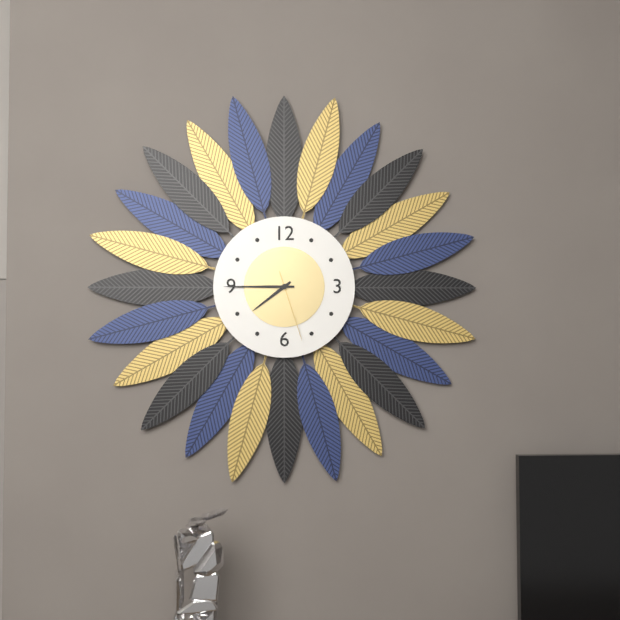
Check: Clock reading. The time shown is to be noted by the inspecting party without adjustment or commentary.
7:45:27
